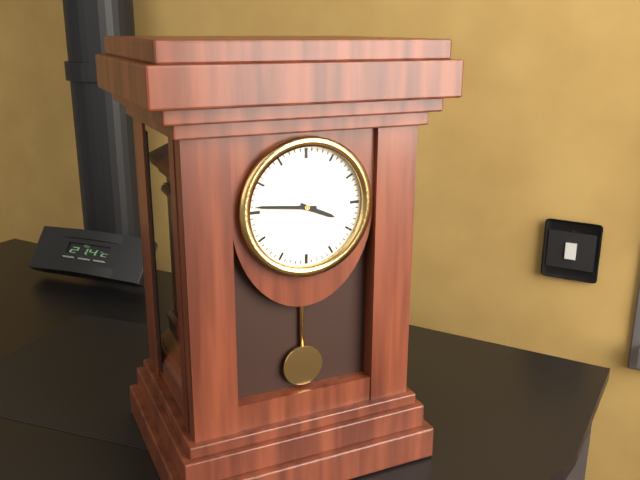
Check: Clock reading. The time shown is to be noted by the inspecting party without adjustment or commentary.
3:46
